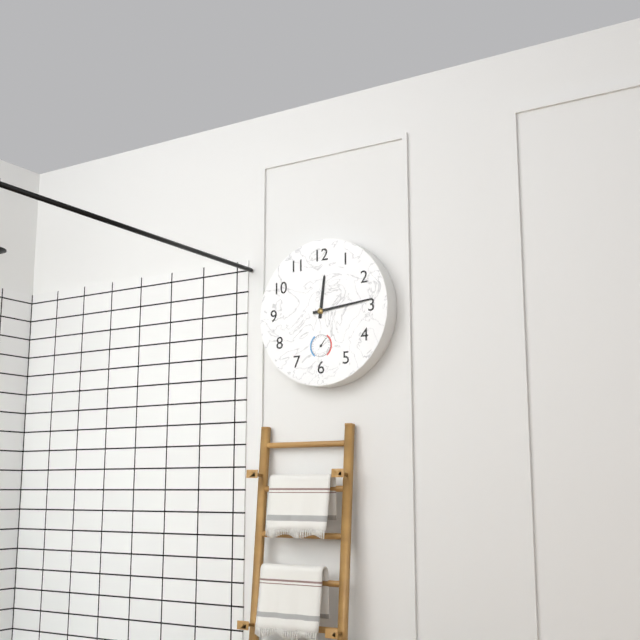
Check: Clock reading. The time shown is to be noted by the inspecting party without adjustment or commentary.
12:14
